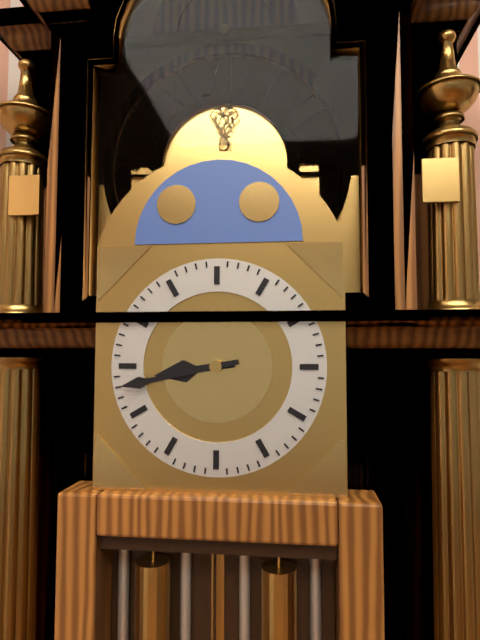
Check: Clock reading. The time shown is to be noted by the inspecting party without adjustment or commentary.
8:43
